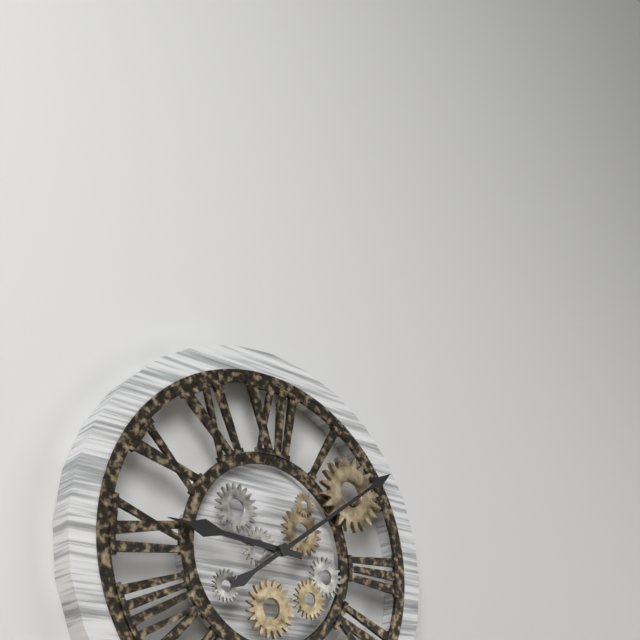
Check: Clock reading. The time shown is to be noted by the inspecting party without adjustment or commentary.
9:09
